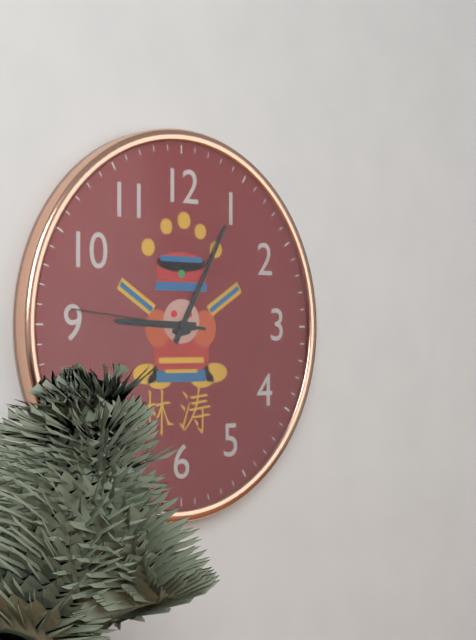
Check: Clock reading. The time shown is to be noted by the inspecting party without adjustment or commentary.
9:05:46
